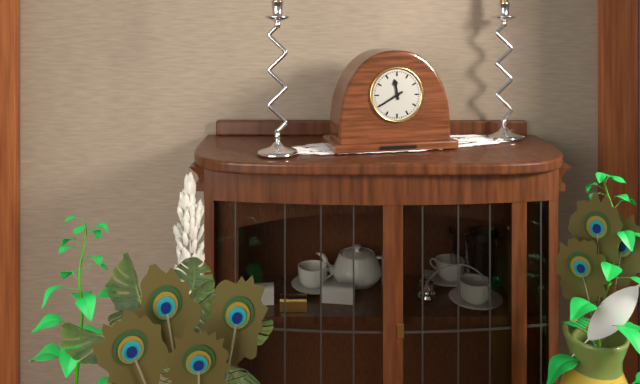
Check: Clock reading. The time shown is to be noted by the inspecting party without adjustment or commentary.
11:40
